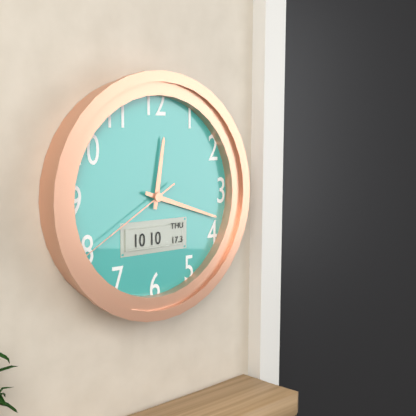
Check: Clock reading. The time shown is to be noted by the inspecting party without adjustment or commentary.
12:18:40
